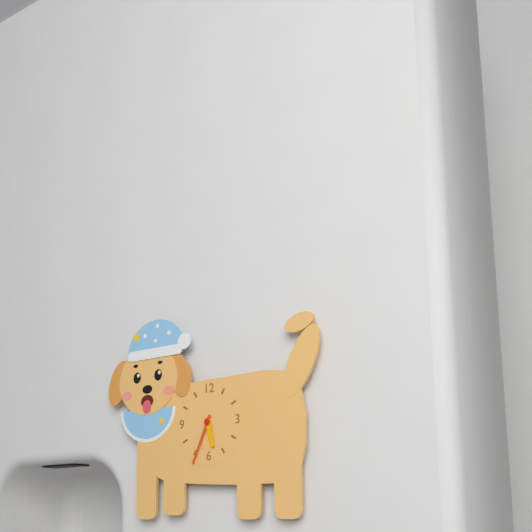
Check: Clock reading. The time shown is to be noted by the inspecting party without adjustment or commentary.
5:34
